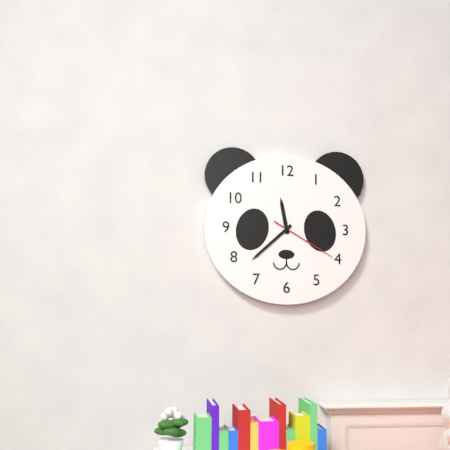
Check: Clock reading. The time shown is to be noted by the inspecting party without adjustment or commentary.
11:38:20
